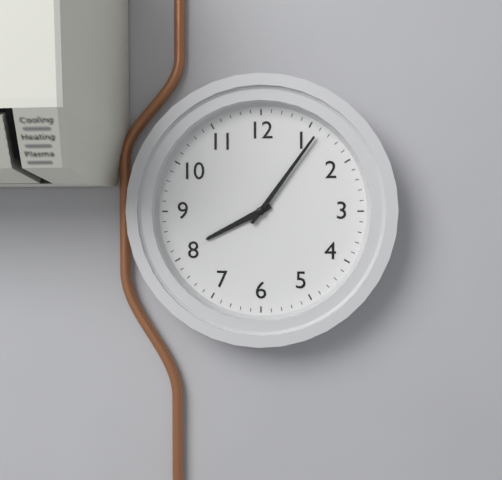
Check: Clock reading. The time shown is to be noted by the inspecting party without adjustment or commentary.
8:06
